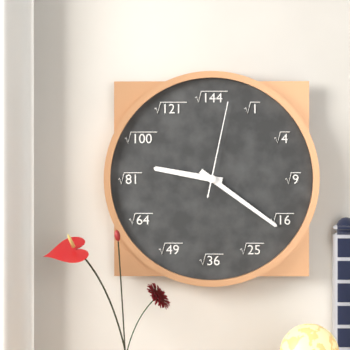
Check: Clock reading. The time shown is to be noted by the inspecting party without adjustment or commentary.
9:21:02
